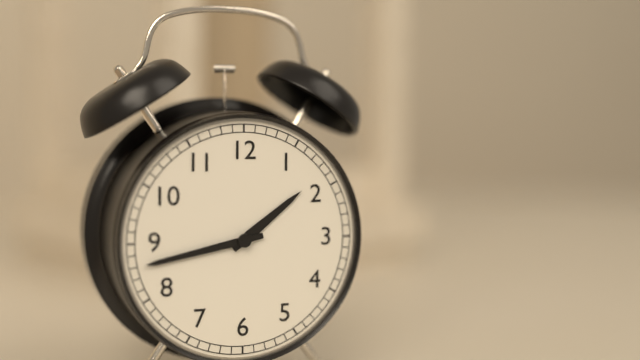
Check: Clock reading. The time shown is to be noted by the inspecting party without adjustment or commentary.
1:43
